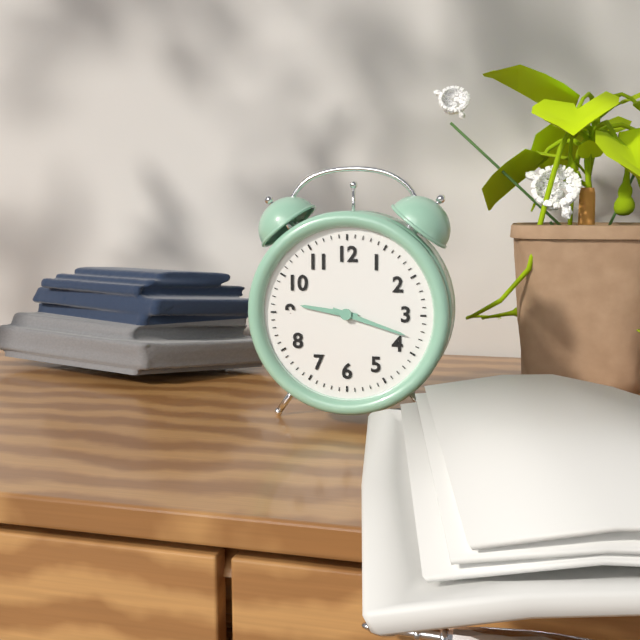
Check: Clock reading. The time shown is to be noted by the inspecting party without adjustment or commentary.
9:18
